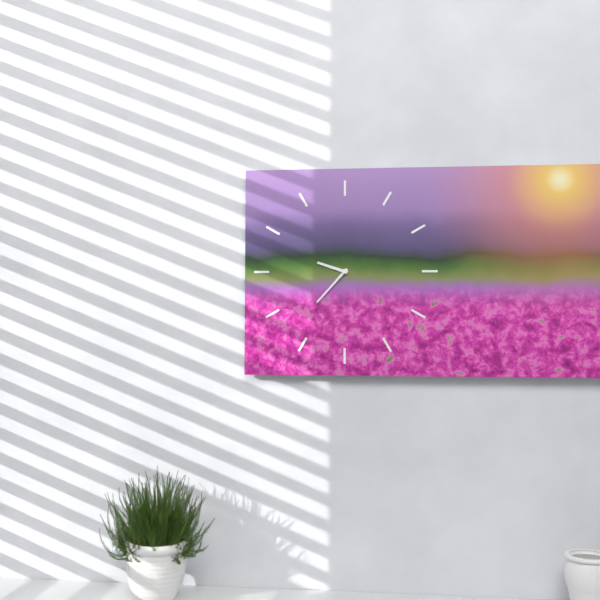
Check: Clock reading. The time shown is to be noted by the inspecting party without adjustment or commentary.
9:37
